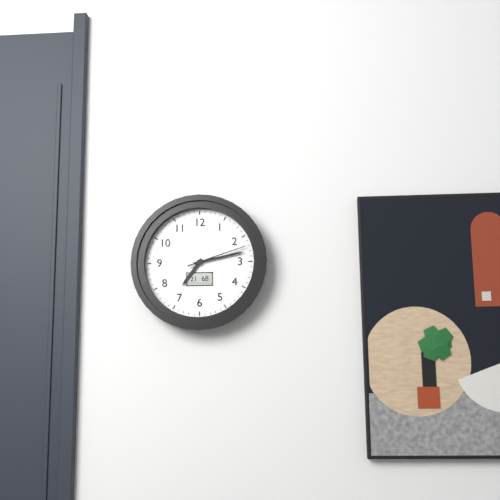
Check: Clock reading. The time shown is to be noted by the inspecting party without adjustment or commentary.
7:13:12
